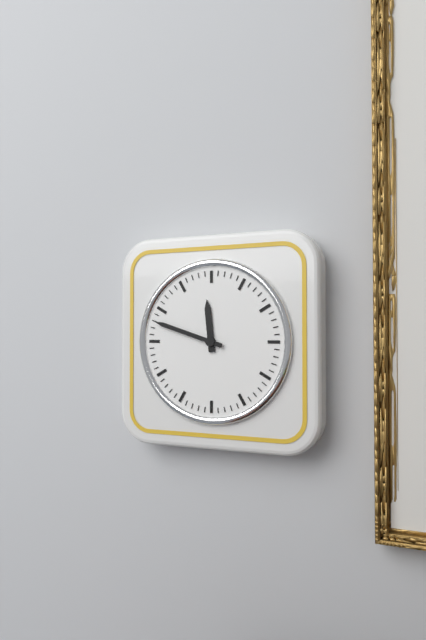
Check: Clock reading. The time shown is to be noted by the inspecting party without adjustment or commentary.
11:48
